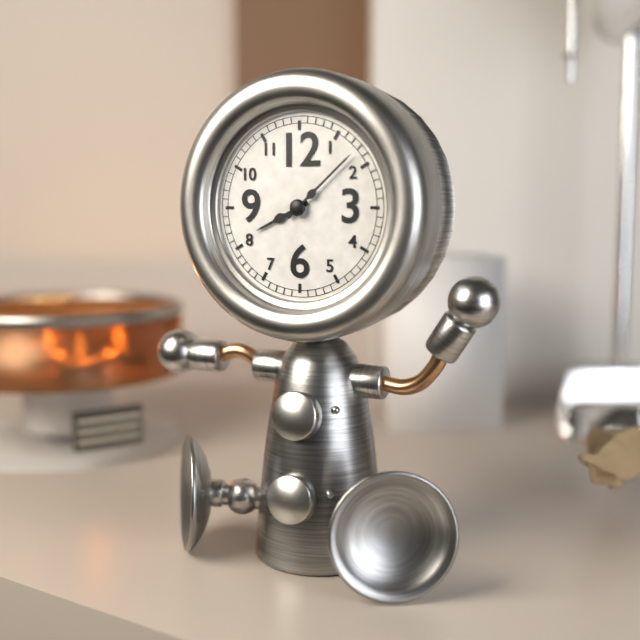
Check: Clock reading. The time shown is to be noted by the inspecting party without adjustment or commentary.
8:08
